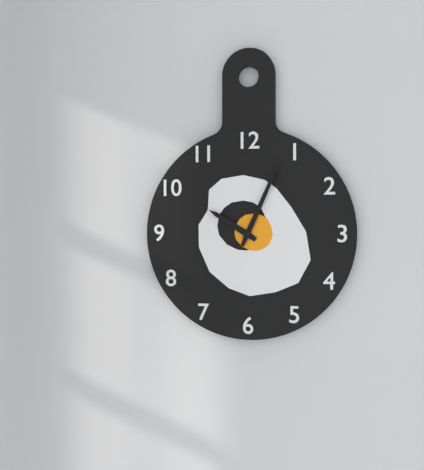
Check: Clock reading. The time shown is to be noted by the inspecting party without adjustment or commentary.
10:04
